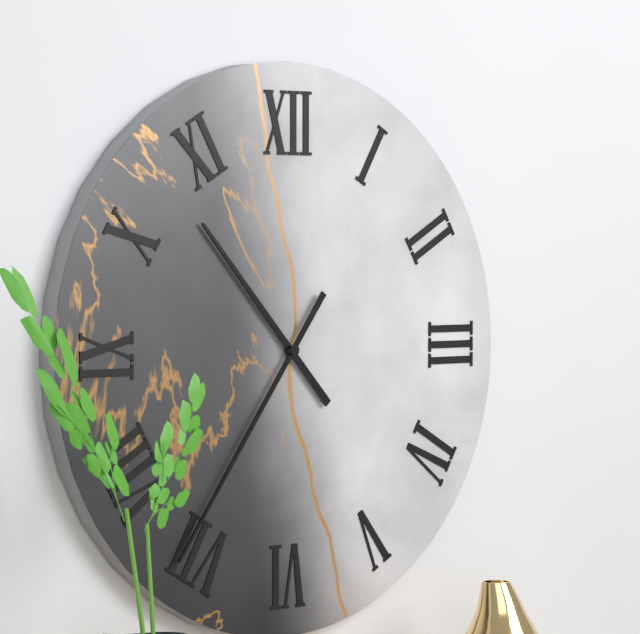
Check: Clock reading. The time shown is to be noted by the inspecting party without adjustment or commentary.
10:36
